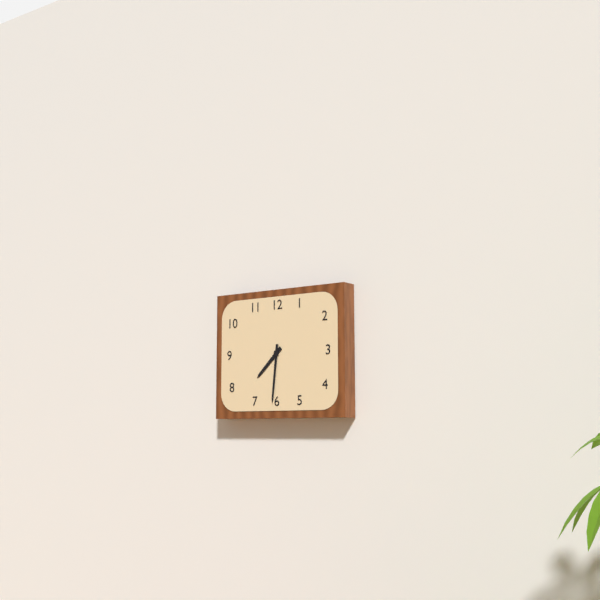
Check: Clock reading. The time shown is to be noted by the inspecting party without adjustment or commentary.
7:31
